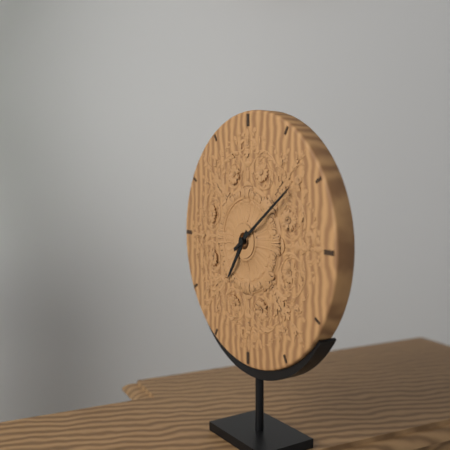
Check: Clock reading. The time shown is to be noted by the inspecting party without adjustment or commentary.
7:09
